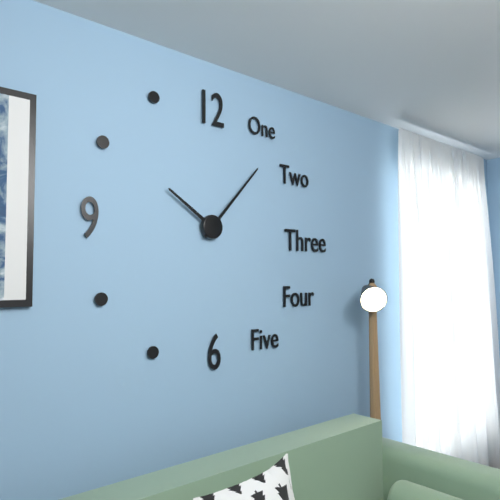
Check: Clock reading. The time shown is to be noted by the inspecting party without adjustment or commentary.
10:07
